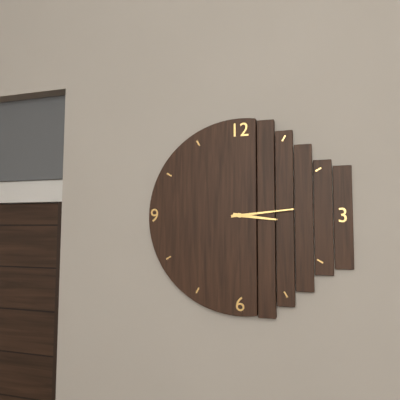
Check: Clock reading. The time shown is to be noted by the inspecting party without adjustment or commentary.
3:14
